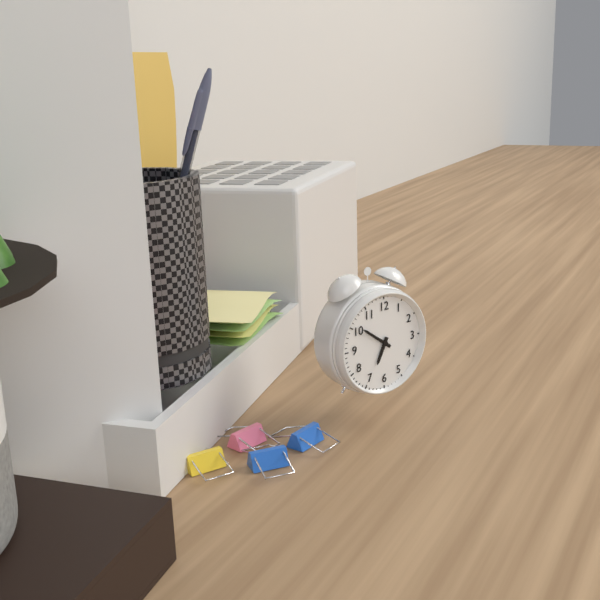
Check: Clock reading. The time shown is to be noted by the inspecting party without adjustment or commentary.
6:51
